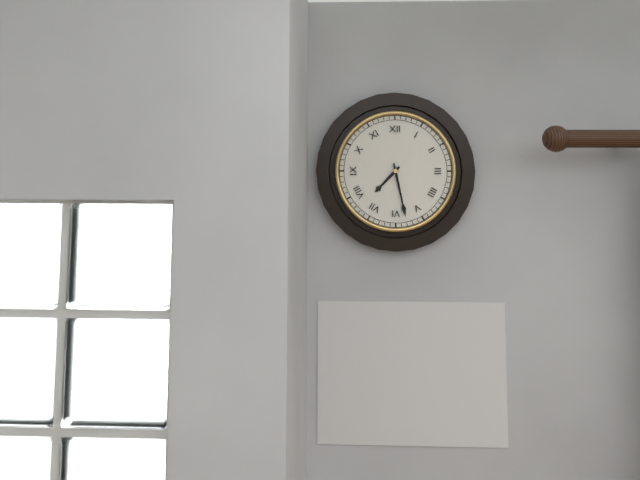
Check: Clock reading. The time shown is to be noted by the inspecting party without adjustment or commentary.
7:28
